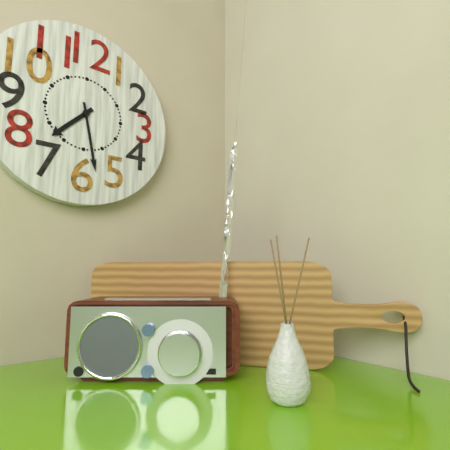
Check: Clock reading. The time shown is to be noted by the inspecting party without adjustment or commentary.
7:28
